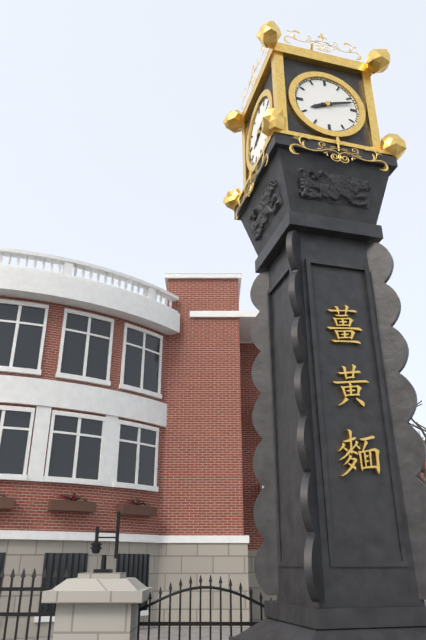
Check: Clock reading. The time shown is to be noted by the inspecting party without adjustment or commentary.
8:12
